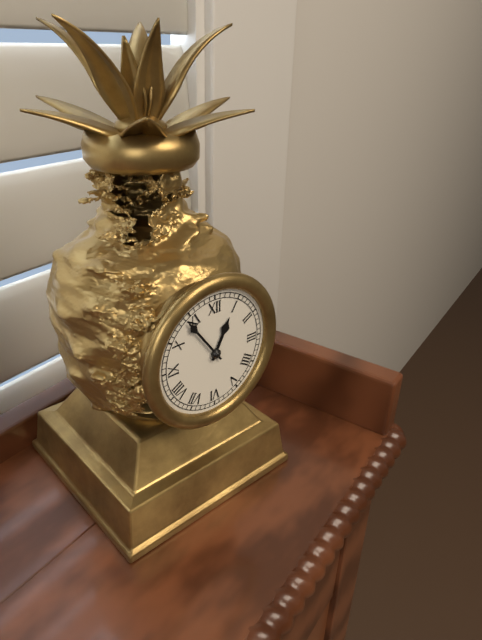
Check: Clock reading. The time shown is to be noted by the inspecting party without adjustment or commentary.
12:54
